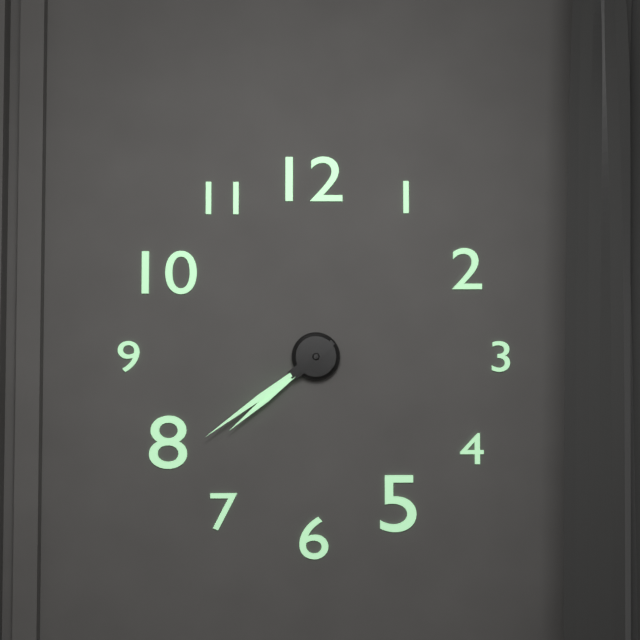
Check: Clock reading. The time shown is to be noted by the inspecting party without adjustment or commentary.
7:39
